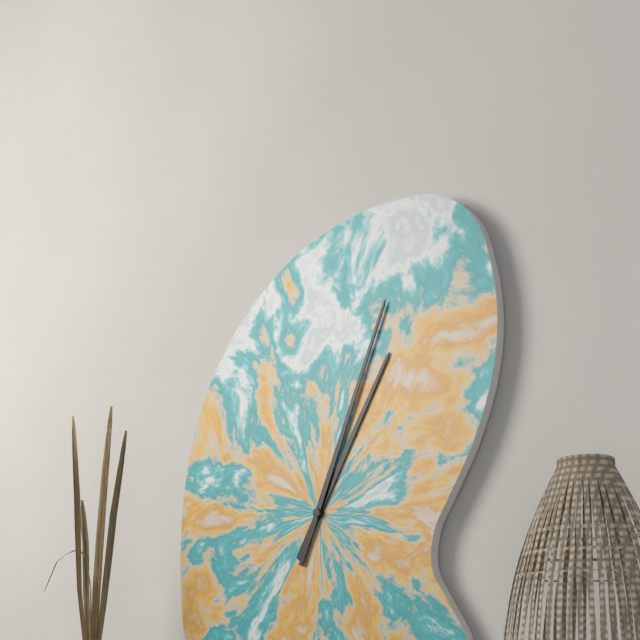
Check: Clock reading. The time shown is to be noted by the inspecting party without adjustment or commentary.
1:04
